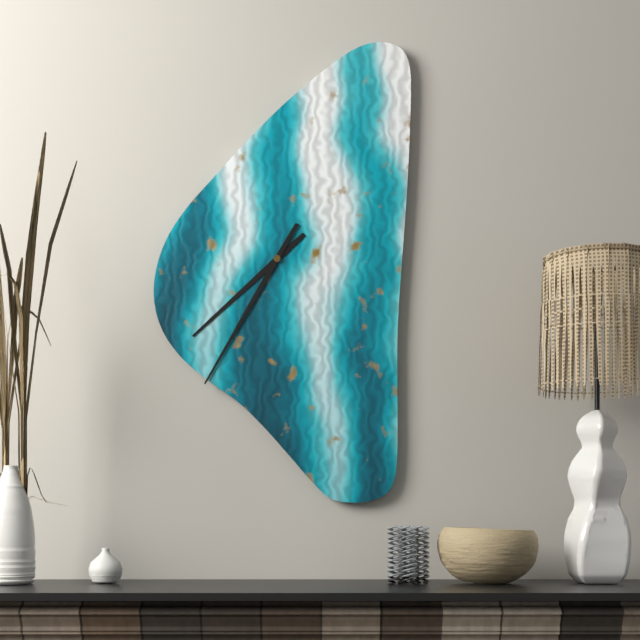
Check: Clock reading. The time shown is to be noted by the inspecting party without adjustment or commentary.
7:35
